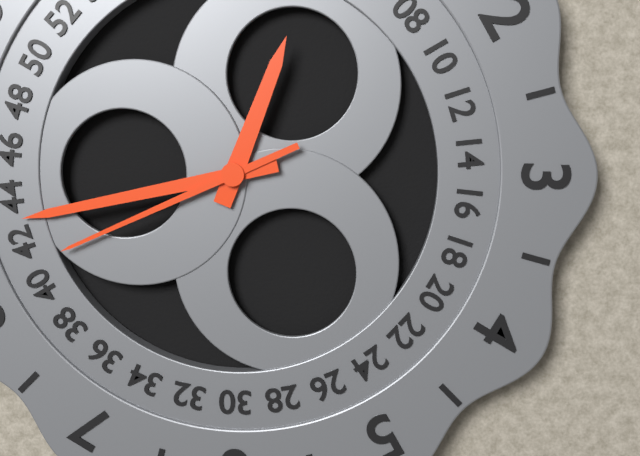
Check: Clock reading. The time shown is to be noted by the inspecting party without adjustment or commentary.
12:43:41
